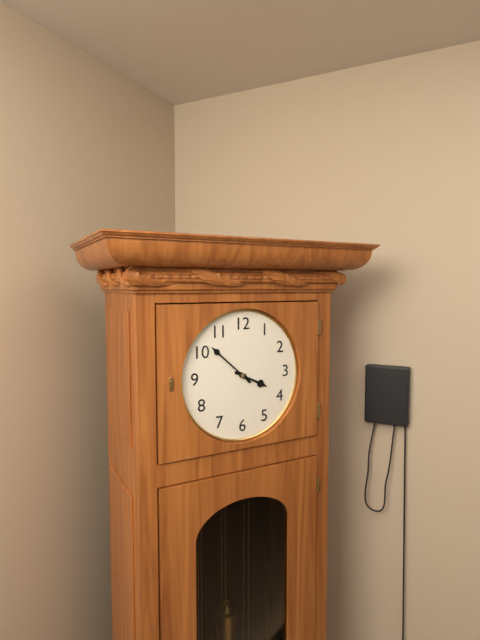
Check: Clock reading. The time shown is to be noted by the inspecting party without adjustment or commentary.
3:52
